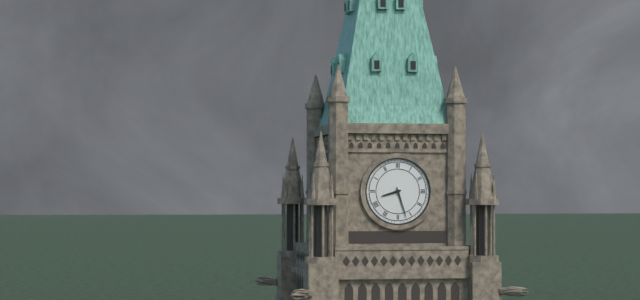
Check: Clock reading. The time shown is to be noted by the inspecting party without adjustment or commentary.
8:27
